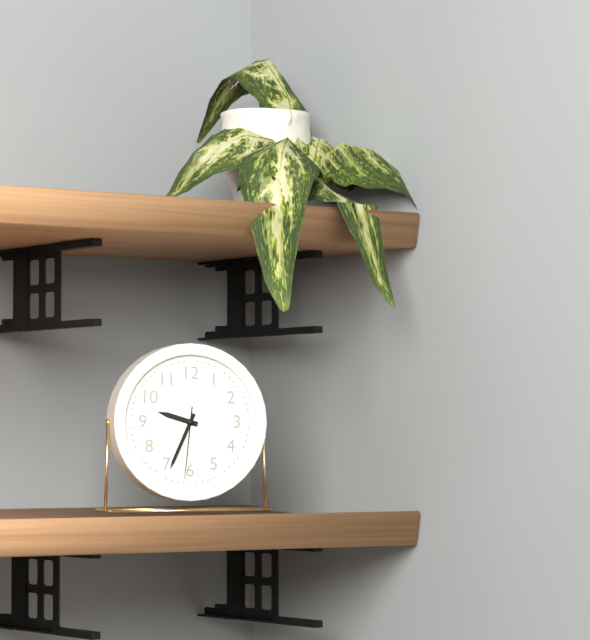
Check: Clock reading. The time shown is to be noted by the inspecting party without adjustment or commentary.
9:34:31
